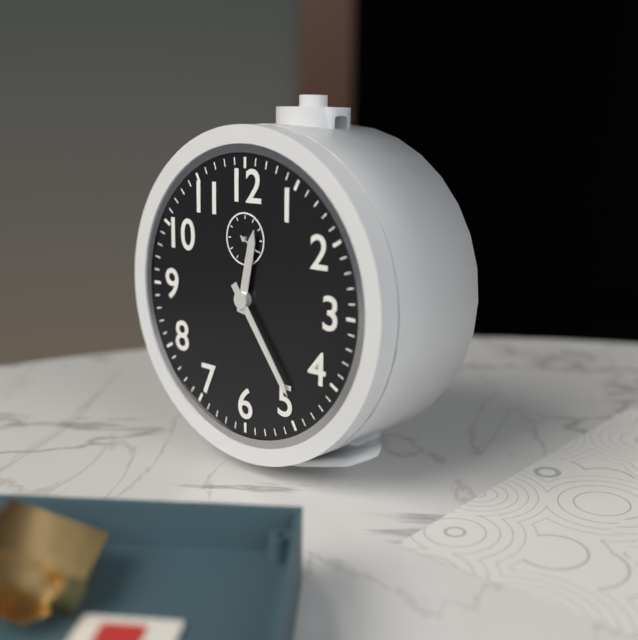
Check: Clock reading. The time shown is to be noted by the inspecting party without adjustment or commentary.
12:24
